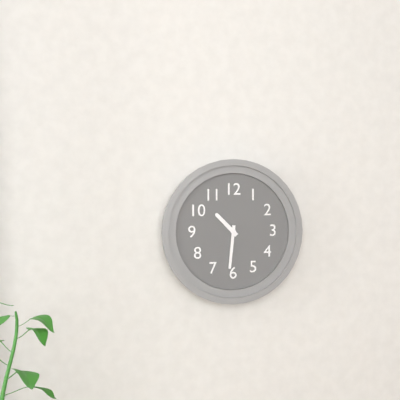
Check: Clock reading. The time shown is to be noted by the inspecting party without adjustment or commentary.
10:31
